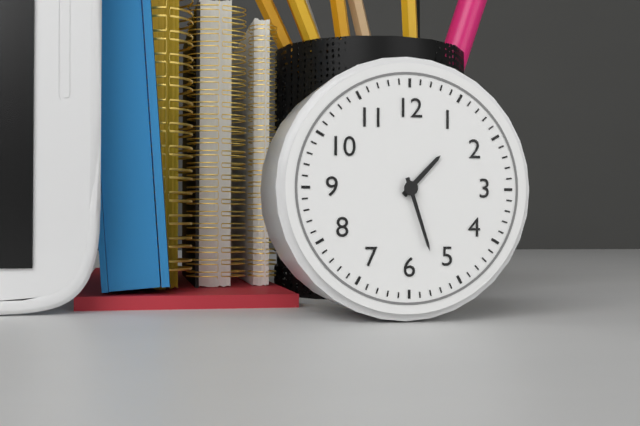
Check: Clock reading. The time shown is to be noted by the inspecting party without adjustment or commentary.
1:27
